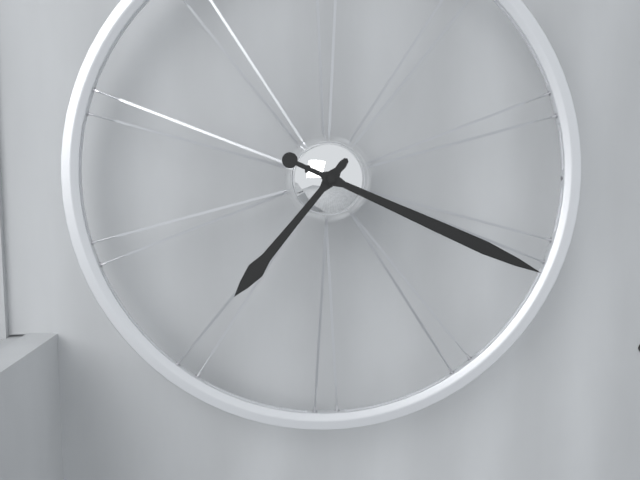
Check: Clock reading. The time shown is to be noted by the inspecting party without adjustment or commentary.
7:19
